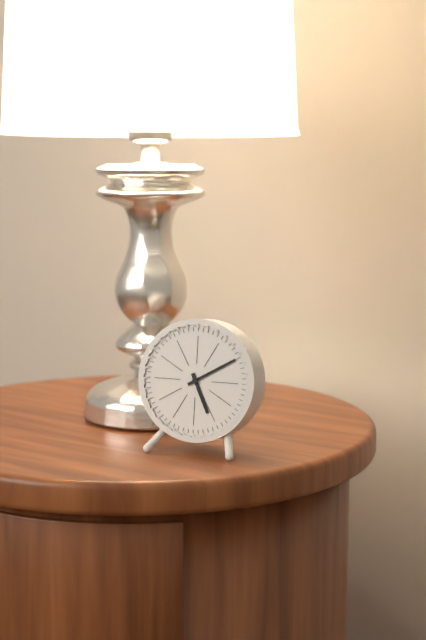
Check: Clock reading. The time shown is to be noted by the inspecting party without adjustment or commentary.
5:10
